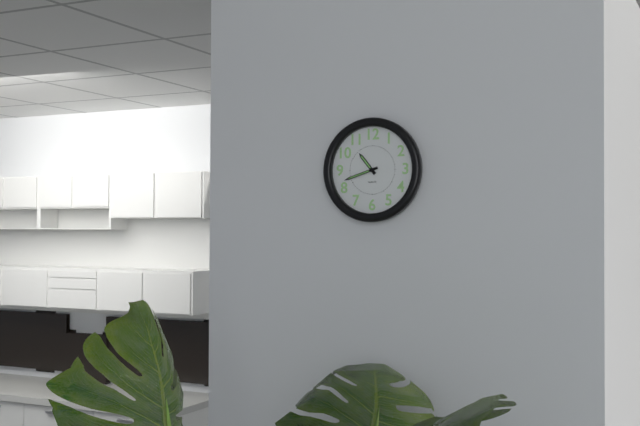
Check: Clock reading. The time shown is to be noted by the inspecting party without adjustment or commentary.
10:42
